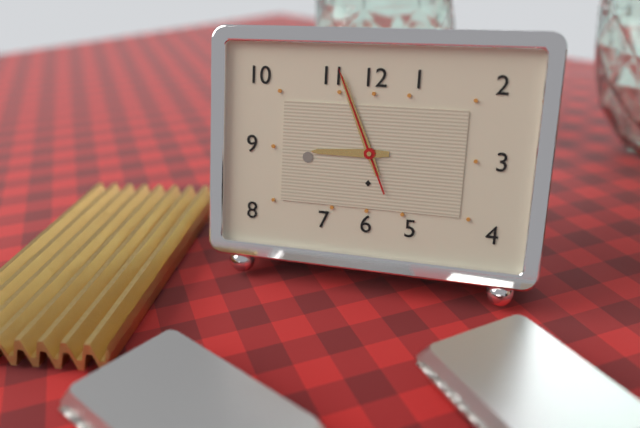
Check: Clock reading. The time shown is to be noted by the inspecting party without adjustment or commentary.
8:56:56
